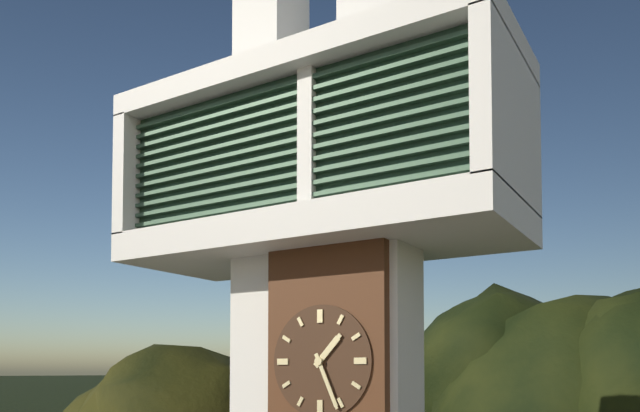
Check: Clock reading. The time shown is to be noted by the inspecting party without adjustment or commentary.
1:26
